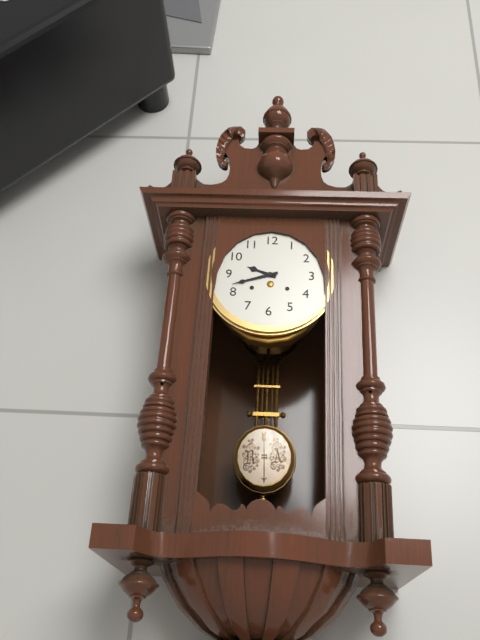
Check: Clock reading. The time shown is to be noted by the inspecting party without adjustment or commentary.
9:42
